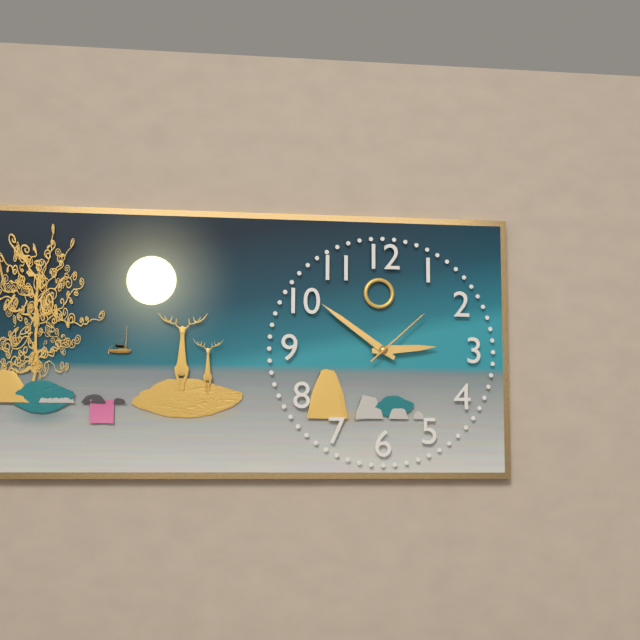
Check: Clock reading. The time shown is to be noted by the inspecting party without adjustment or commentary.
2:51:08
